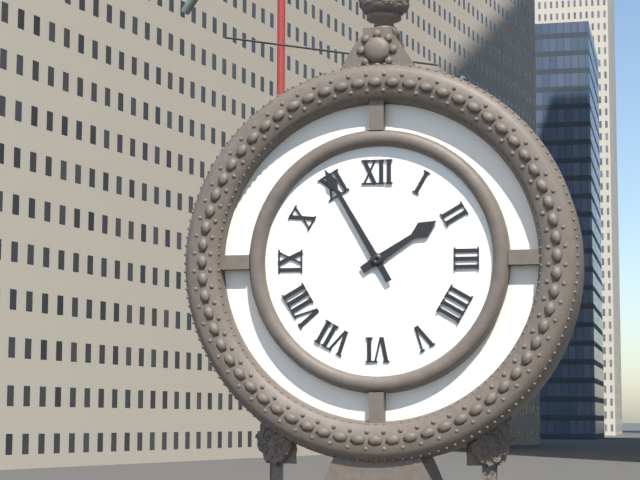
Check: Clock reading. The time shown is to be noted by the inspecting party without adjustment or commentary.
1:55
